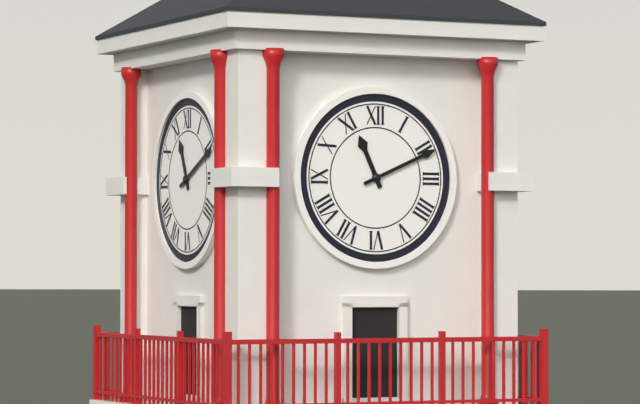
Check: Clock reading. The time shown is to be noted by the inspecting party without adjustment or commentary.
11:11
